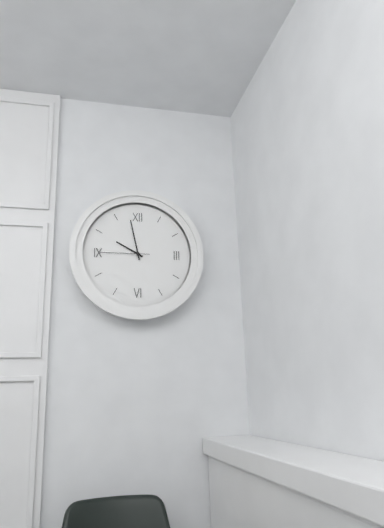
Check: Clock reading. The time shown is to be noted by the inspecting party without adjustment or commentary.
9:58:45
